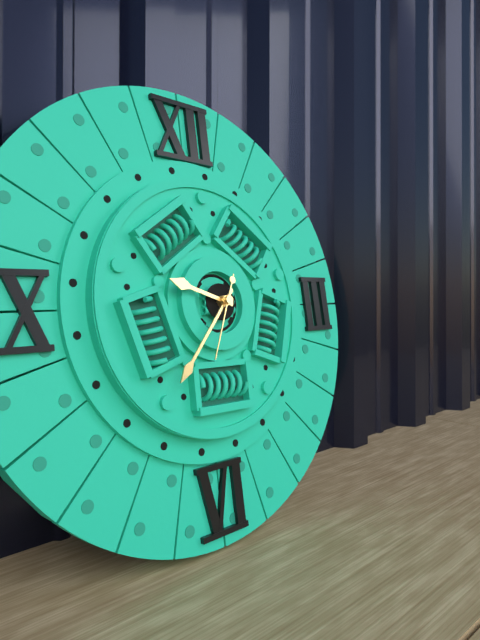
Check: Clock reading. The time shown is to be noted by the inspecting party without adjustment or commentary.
9:37:34
